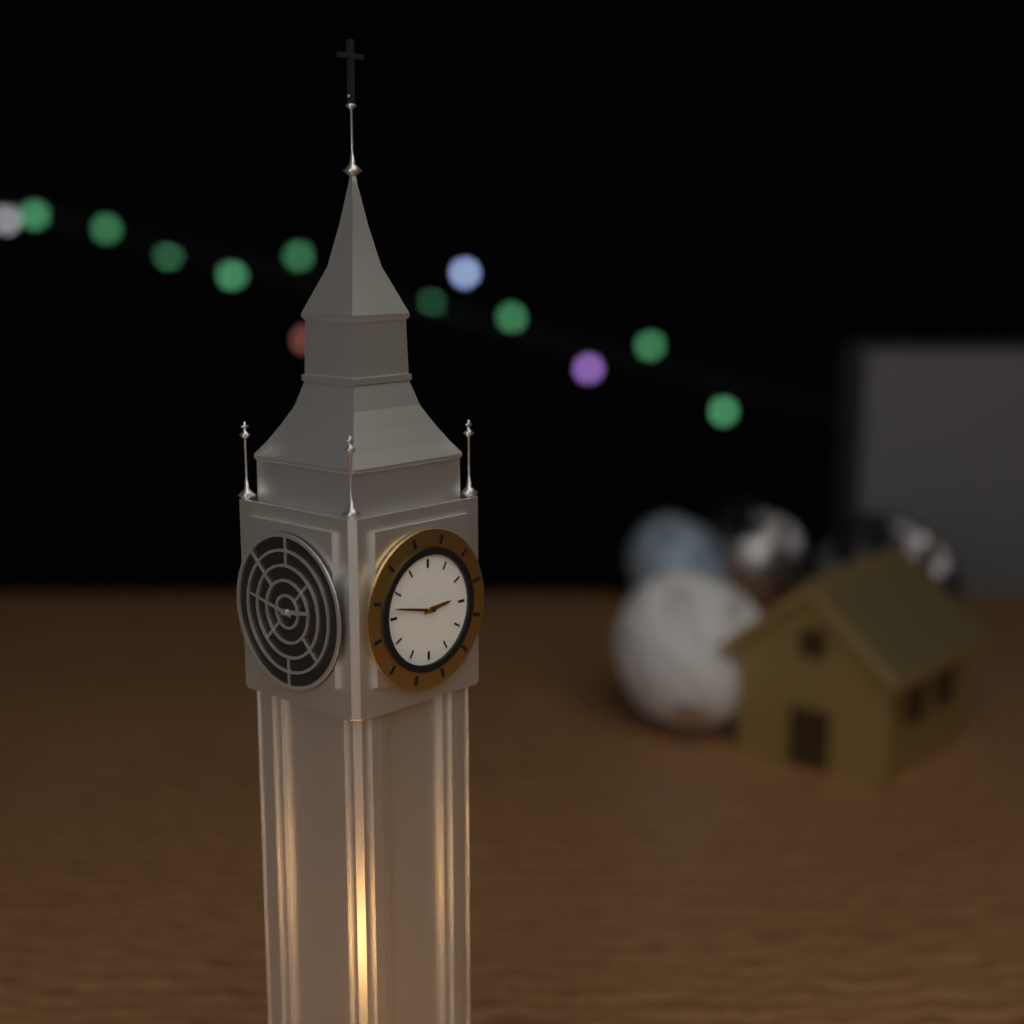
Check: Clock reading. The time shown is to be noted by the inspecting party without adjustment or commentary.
2:47
